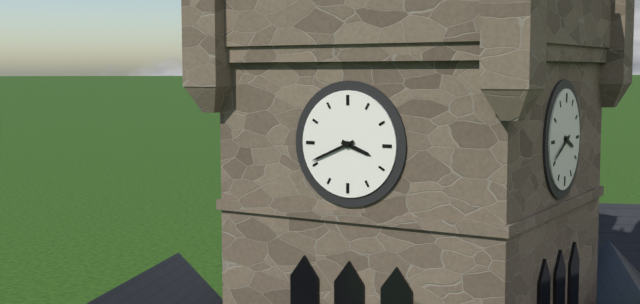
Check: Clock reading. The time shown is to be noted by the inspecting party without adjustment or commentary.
3:41
